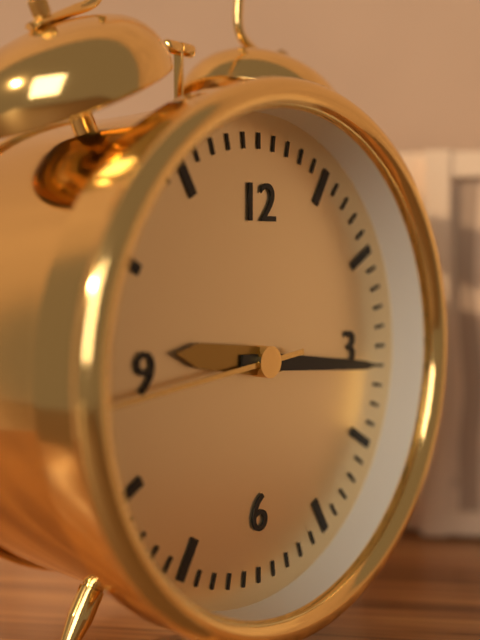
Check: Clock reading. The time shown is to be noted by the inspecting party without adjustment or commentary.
9:16:44
